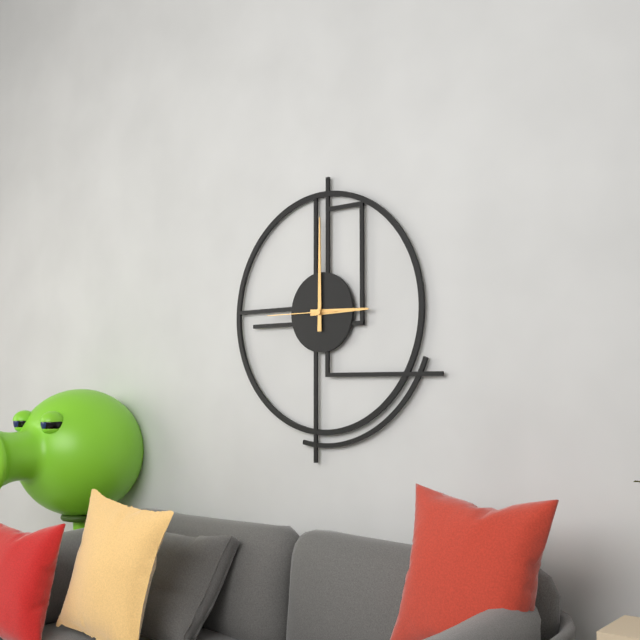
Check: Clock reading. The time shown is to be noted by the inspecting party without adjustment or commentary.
3:00:45
